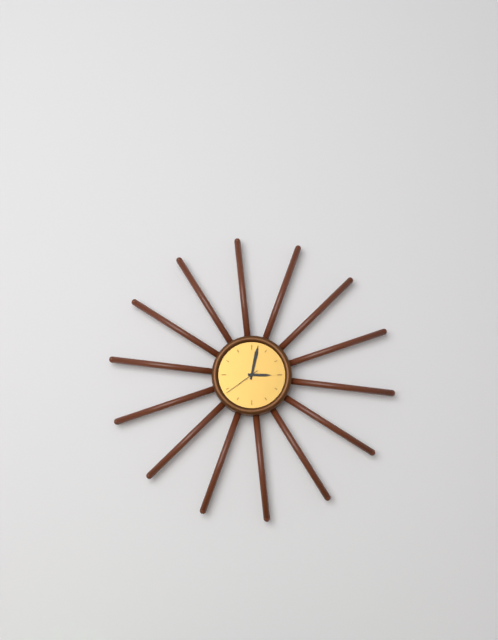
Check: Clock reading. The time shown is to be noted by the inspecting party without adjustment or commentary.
3:02
